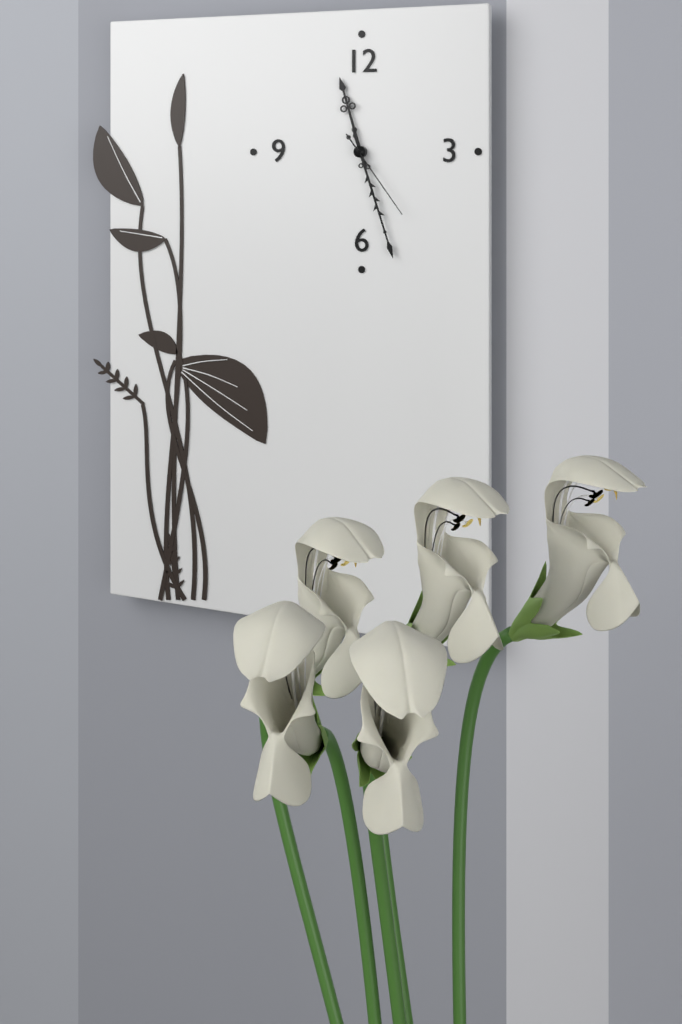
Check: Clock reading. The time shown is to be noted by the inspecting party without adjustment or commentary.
11:27:24
